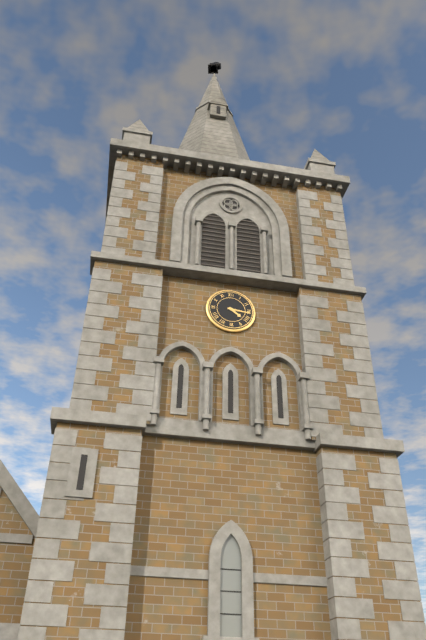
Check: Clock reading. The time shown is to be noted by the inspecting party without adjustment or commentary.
4:16
